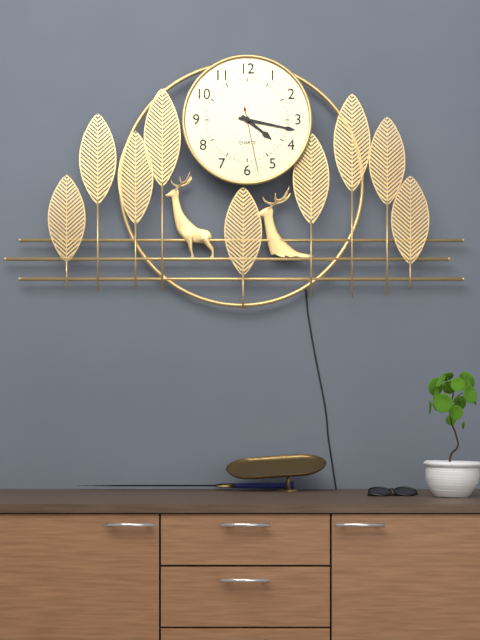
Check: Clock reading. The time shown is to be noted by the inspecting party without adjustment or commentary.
4:17:28
